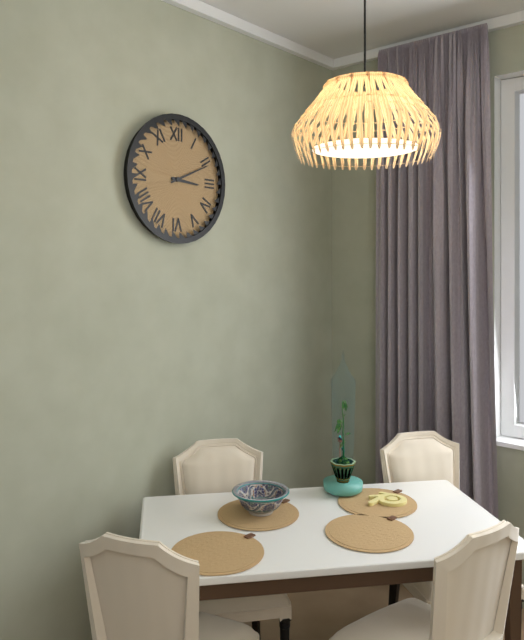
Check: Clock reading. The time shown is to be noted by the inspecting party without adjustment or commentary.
3:11
